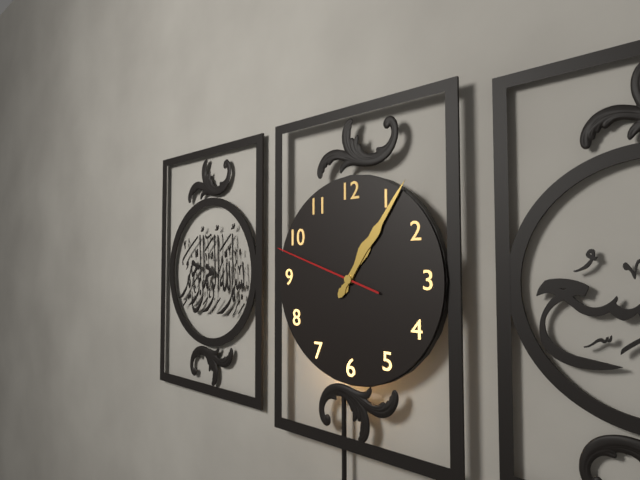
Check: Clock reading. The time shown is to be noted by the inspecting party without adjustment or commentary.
1:06:48
